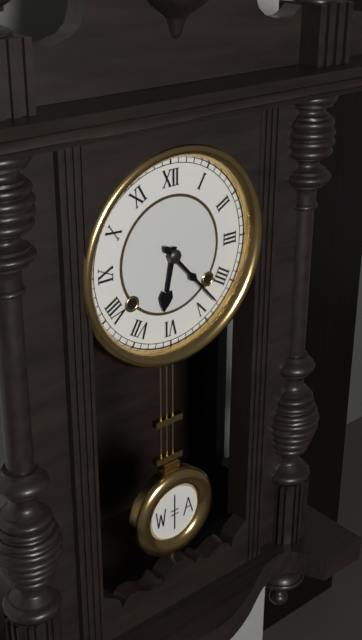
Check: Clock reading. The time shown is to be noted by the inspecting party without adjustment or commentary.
6:23
